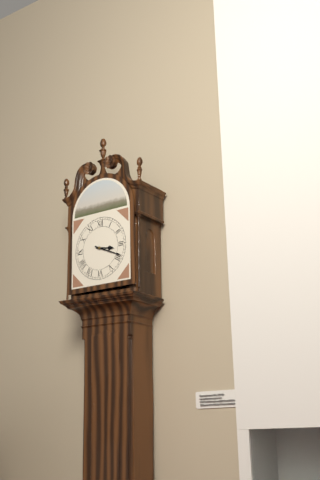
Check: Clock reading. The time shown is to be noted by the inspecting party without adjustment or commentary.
3:19
